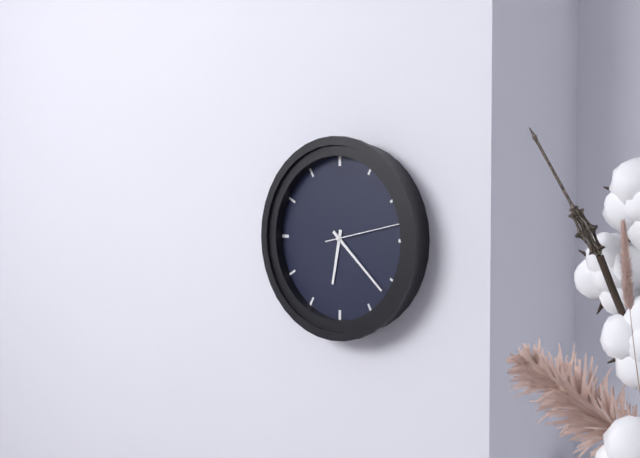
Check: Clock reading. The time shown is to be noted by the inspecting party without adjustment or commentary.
6:22:13
